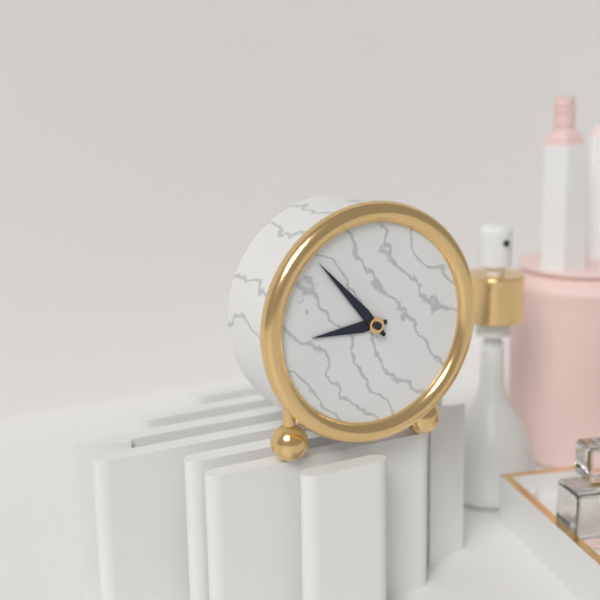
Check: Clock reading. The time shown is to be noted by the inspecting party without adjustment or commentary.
8:53
